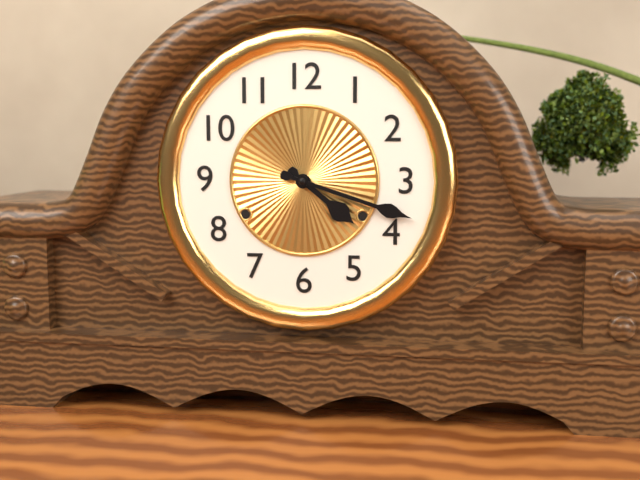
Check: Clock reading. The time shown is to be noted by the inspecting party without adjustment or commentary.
4:18
